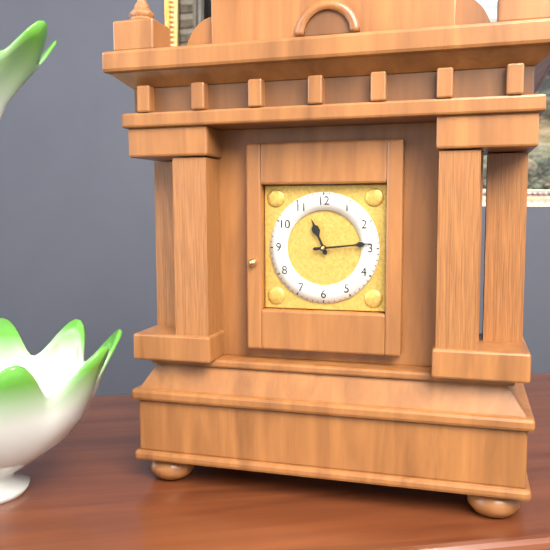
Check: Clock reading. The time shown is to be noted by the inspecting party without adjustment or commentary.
11:14
